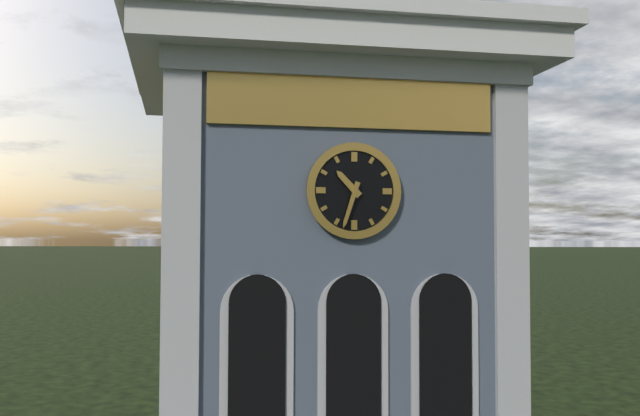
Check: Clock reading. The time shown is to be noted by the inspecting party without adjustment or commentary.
10:33
